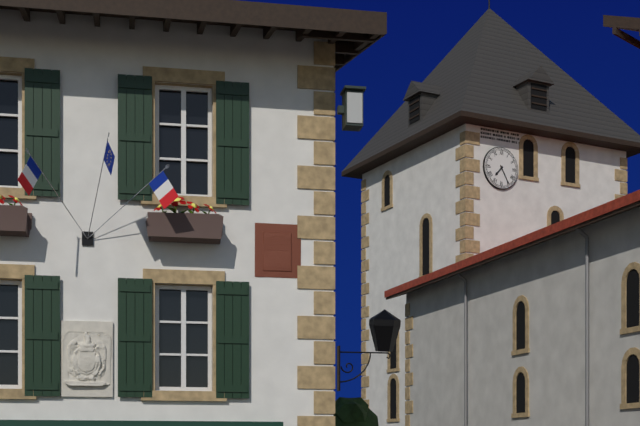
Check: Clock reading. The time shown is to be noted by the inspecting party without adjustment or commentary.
7:25
